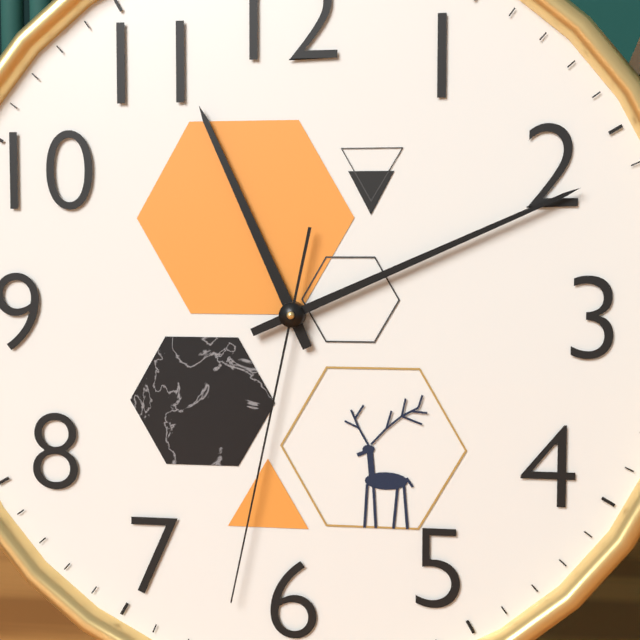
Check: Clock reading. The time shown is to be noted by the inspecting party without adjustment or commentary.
11:11:32
